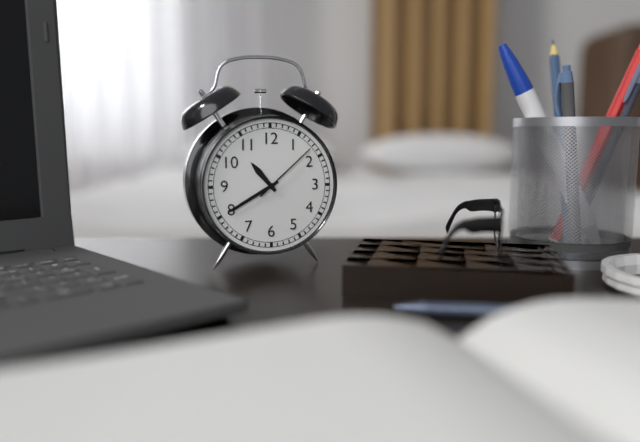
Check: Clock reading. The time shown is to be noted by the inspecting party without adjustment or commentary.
10:40:08
